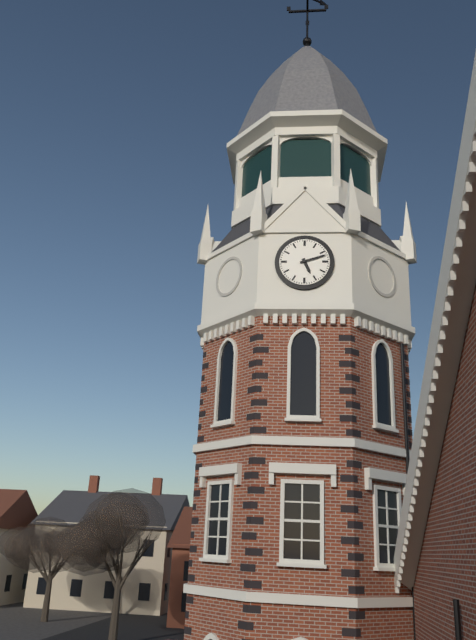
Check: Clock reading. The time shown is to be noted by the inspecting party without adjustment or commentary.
5:12
